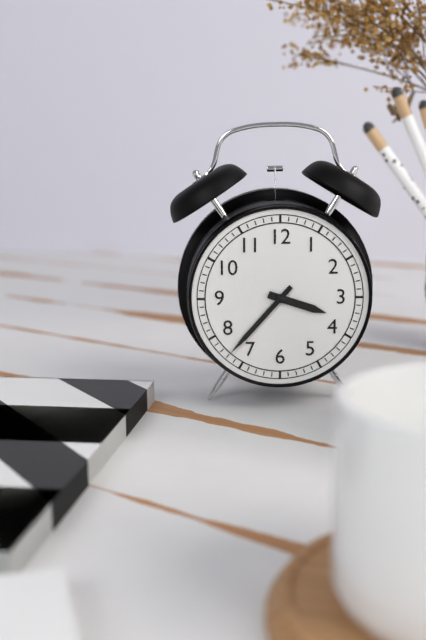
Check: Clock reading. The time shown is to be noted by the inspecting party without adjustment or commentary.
3:37
